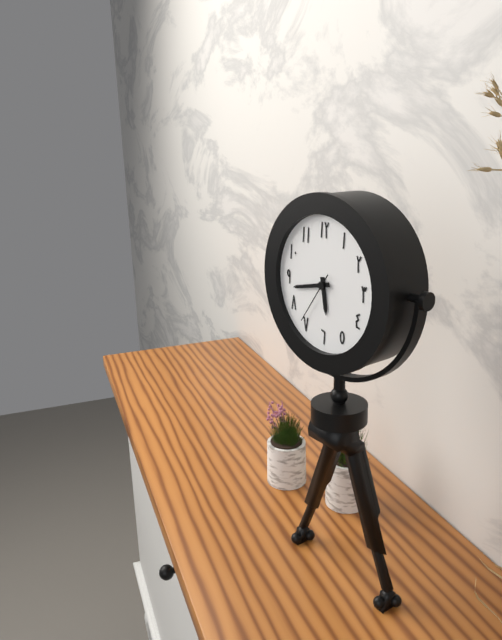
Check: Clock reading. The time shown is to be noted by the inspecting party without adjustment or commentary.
5:43:36
